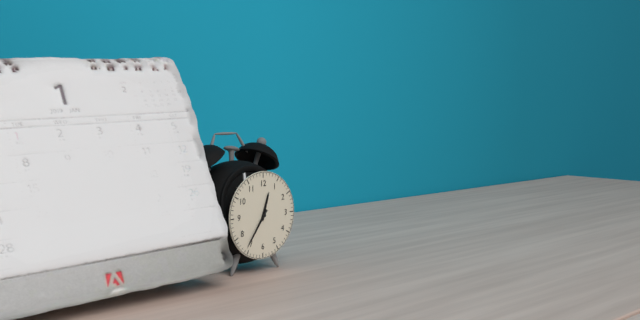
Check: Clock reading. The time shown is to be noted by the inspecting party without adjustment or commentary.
12:36
